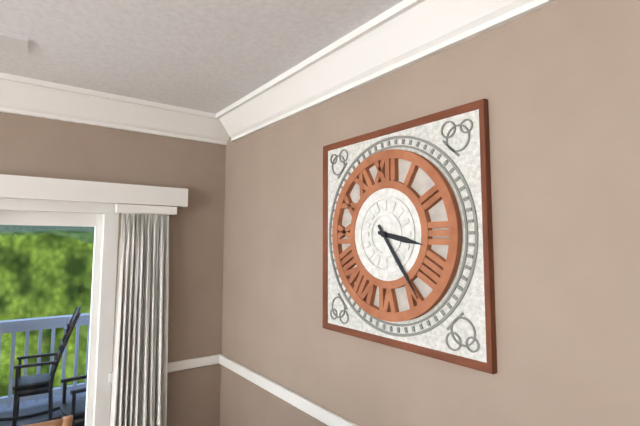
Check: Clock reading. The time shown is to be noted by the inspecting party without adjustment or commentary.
3:24
